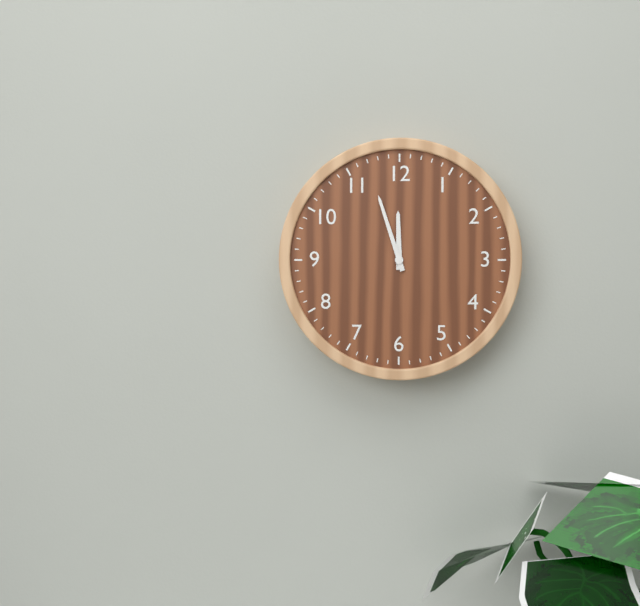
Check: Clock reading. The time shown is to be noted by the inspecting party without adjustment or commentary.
11:57
